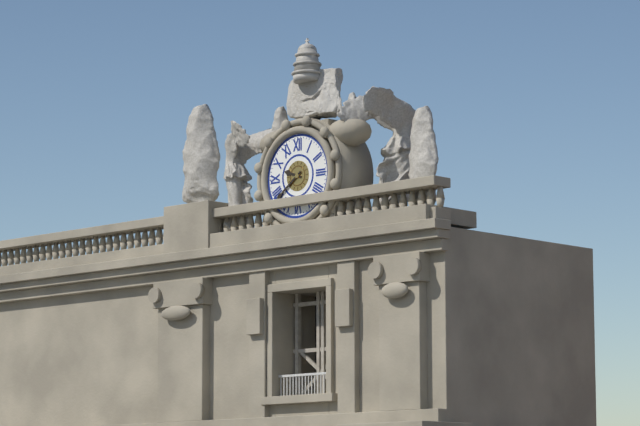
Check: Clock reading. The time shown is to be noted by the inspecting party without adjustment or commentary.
9:39
